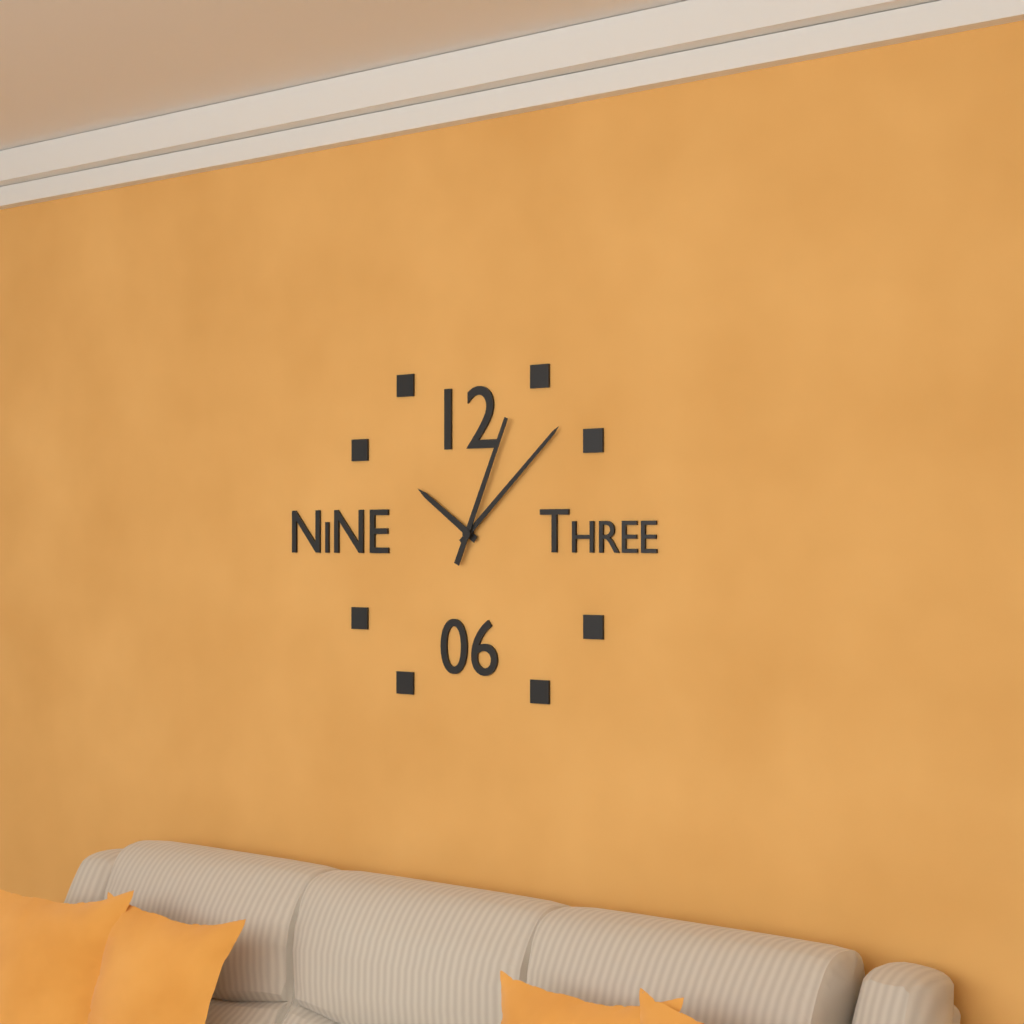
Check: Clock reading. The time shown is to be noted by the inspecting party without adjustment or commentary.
10:08:04
